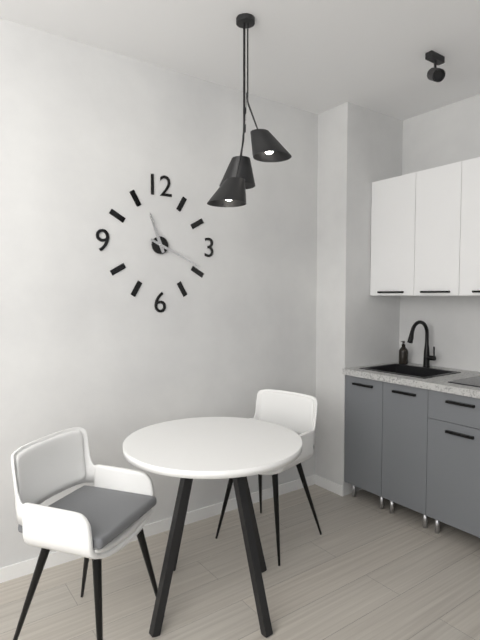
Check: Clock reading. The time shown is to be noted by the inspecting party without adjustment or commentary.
11:19
